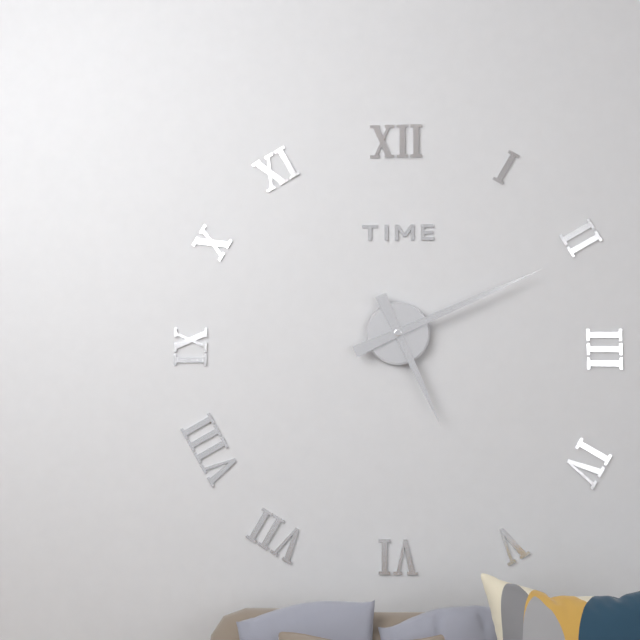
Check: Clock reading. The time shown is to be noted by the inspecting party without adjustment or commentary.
5:11
